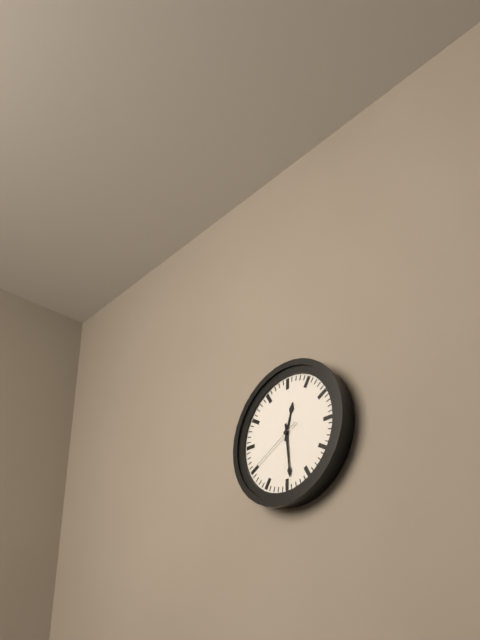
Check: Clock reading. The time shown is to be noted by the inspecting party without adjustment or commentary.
12:29:40
